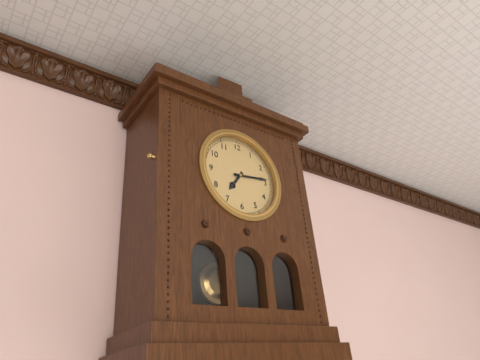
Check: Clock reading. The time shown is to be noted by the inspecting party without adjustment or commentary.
7:14
